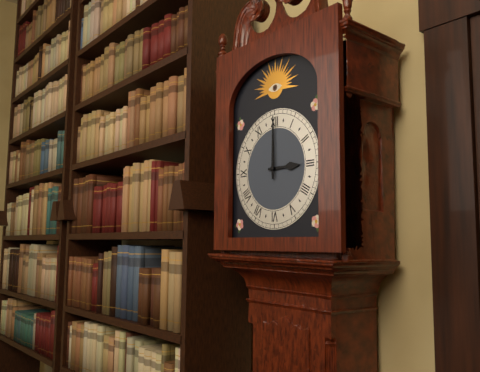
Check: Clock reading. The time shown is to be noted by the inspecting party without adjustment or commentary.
3:00
